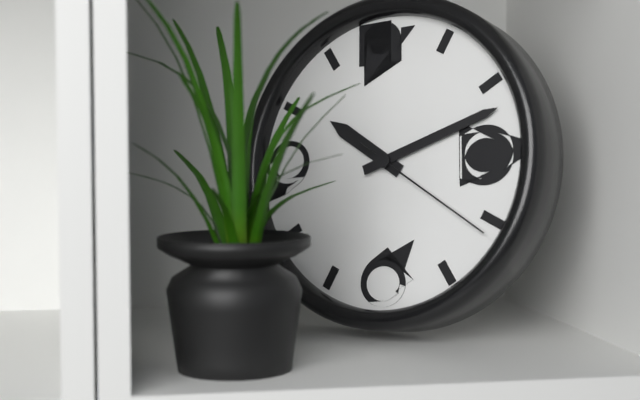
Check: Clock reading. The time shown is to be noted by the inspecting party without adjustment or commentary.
10:12:21
